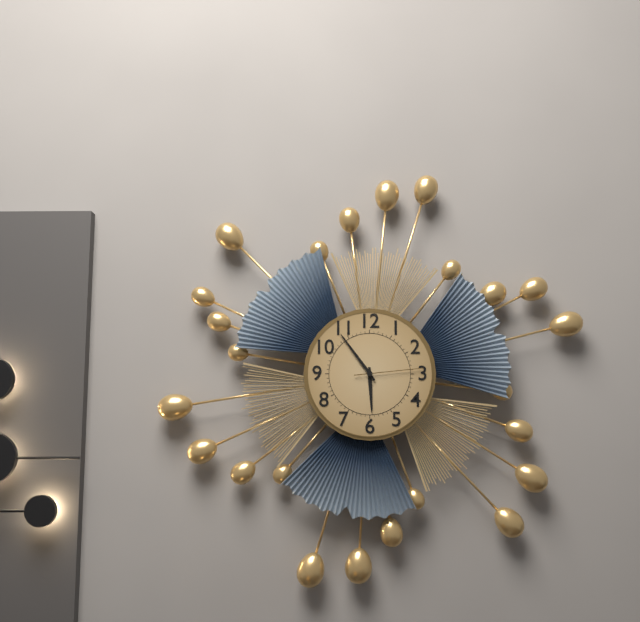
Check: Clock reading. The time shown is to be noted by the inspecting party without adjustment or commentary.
5:54:14
